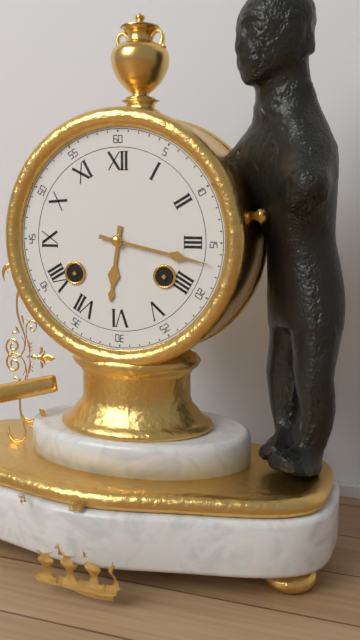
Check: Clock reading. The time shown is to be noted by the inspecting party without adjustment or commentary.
6:17
